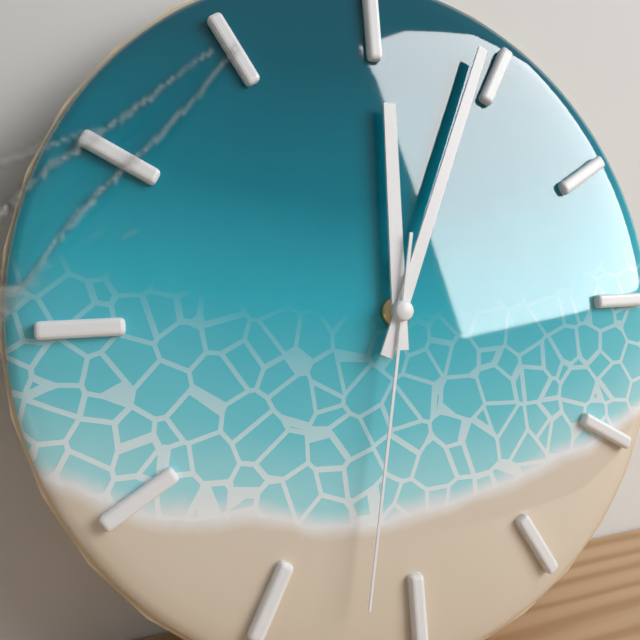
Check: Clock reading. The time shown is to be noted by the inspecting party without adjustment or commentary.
12:04:32
